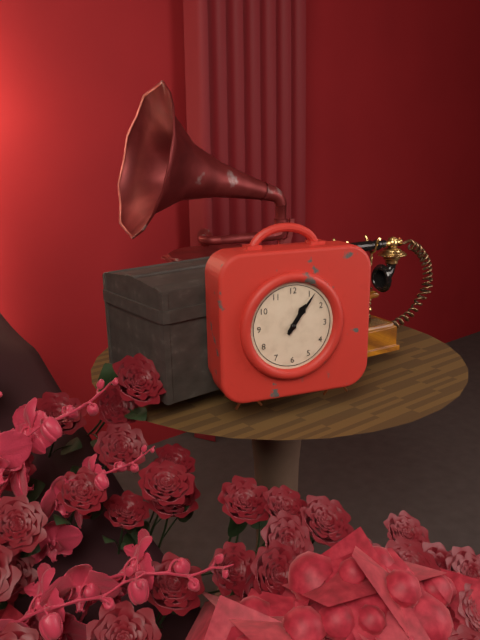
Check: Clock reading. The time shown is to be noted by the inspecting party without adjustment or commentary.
1:06
